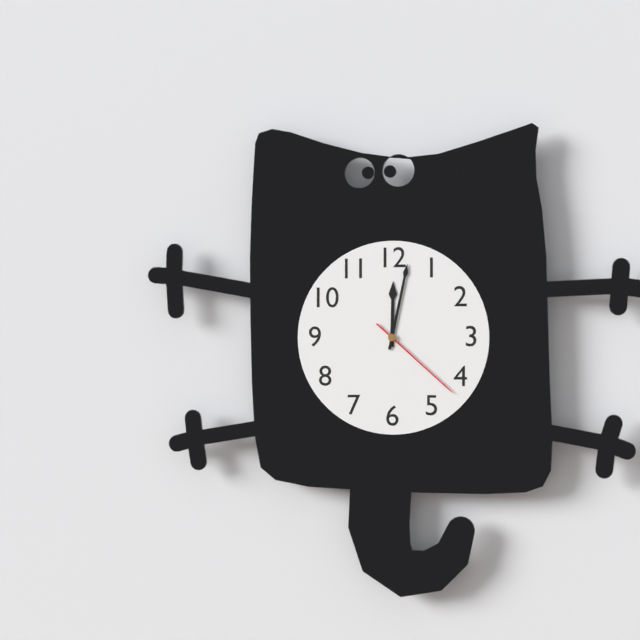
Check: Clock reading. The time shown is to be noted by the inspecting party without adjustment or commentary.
12:02:22
